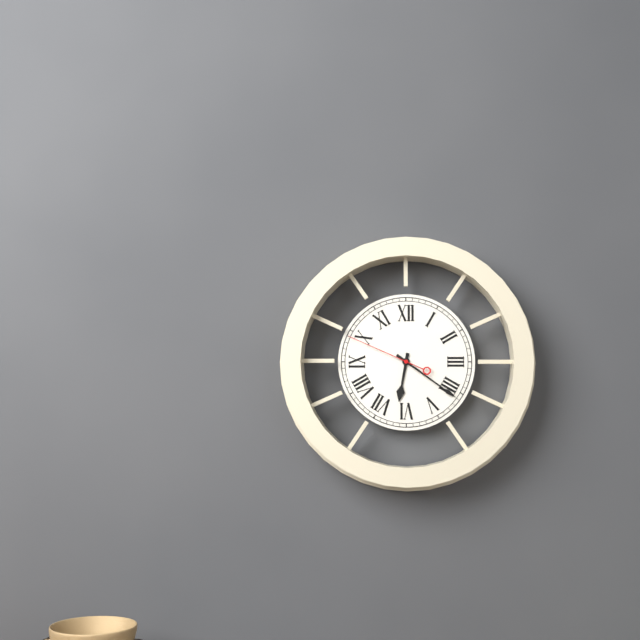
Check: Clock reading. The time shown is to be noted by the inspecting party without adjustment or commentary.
6:21:49
